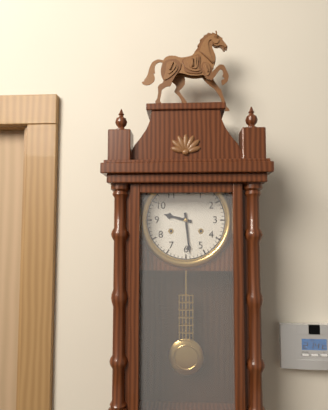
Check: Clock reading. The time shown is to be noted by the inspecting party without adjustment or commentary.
9:29
